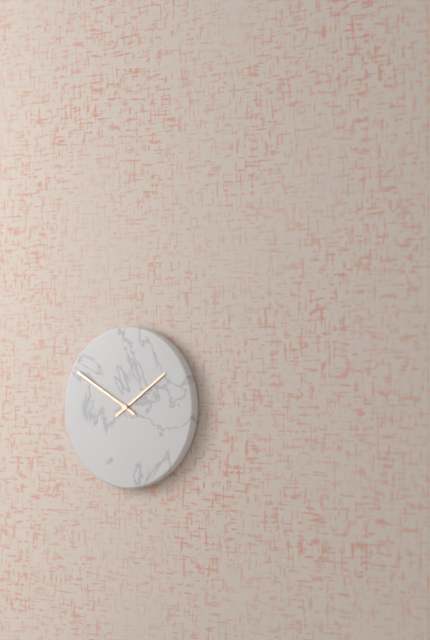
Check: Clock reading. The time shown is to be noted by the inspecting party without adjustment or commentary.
1:50
